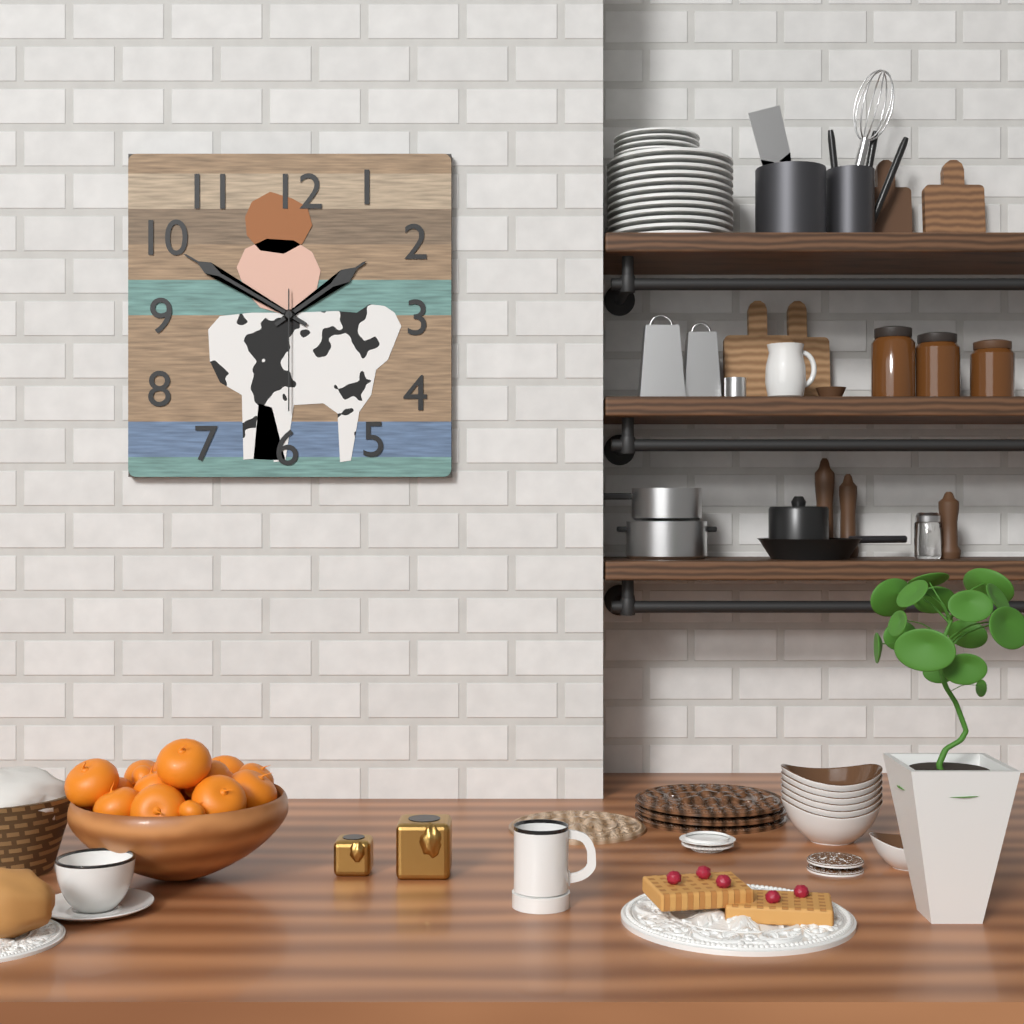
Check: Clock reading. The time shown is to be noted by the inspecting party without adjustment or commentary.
1:50:30
